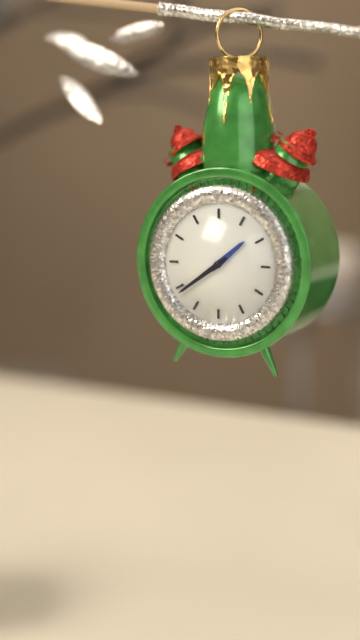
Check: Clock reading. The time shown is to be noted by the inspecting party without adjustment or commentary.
1:39
